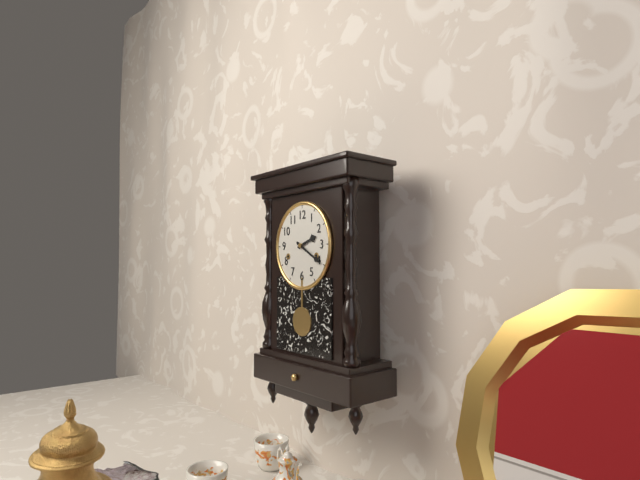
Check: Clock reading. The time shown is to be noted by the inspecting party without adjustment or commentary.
2:20
